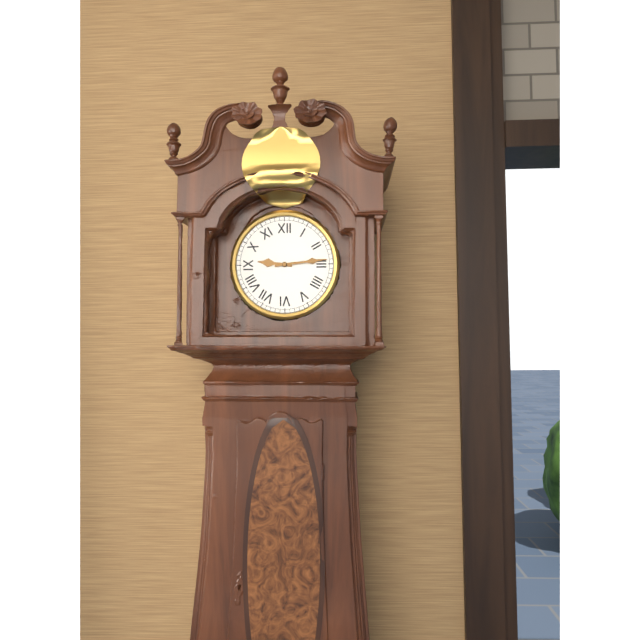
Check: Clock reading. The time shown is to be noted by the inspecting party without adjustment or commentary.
9:14
